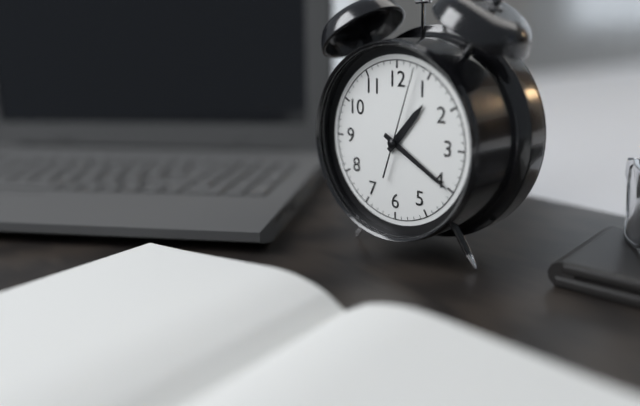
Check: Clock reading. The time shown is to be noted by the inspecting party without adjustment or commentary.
1:20:03
